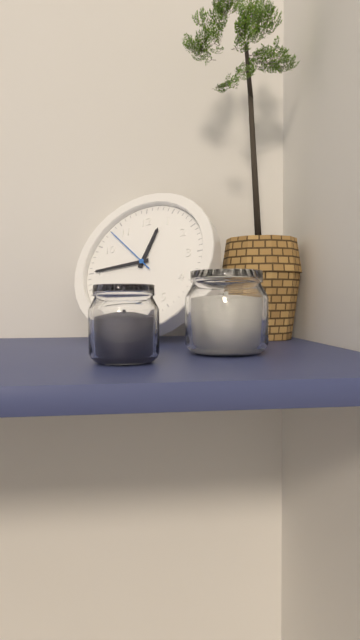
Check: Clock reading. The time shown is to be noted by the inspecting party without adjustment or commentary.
12:45:53
